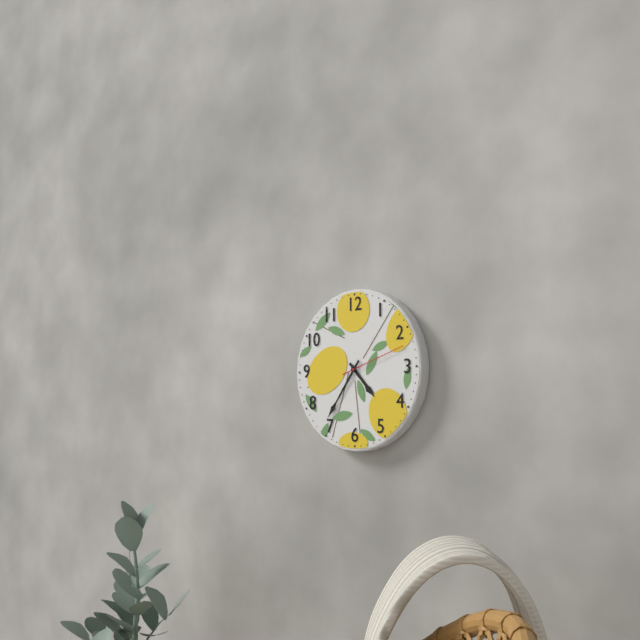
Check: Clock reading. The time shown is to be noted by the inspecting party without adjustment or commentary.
4:36:12
